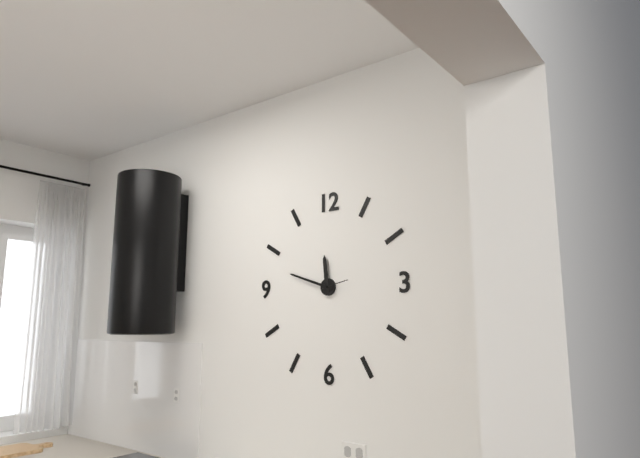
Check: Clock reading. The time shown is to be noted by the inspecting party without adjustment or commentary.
11:48
